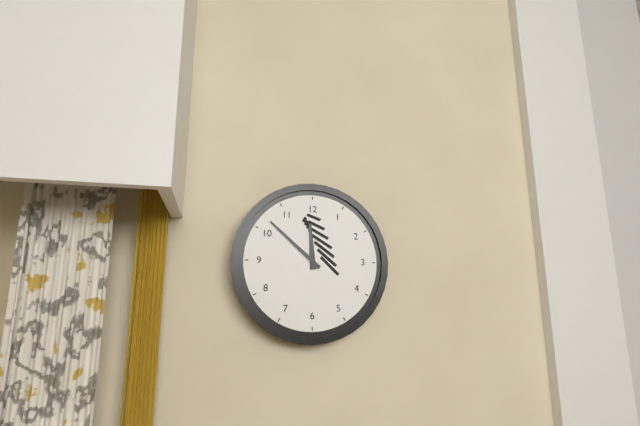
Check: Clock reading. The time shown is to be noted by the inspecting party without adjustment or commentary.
11:52
